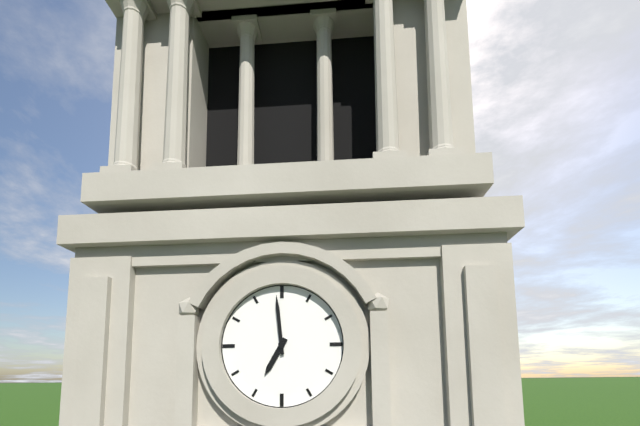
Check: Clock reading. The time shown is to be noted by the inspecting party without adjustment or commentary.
6:59
